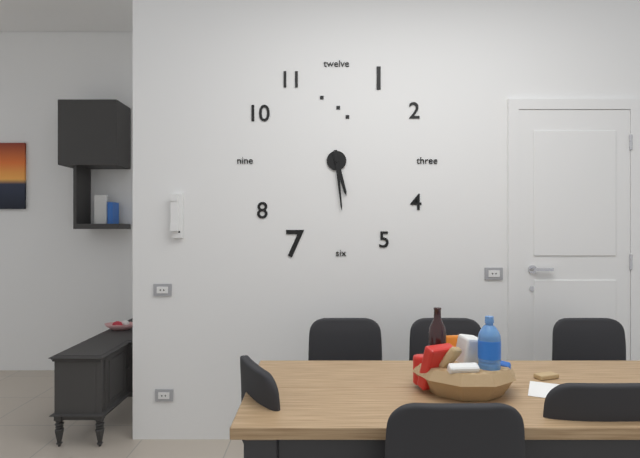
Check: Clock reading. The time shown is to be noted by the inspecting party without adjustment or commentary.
5:29
